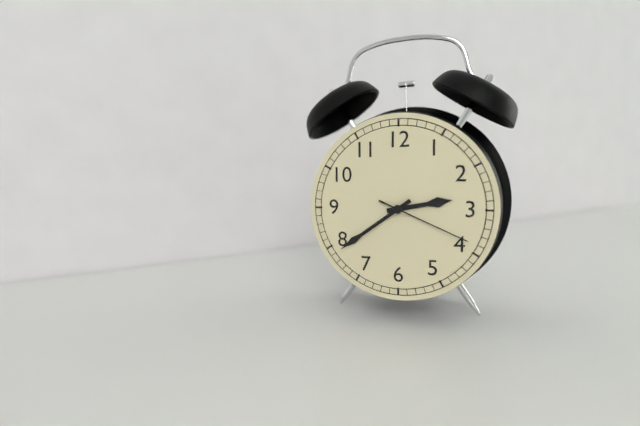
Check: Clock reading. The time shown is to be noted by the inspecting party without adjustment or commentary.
2:39:19
